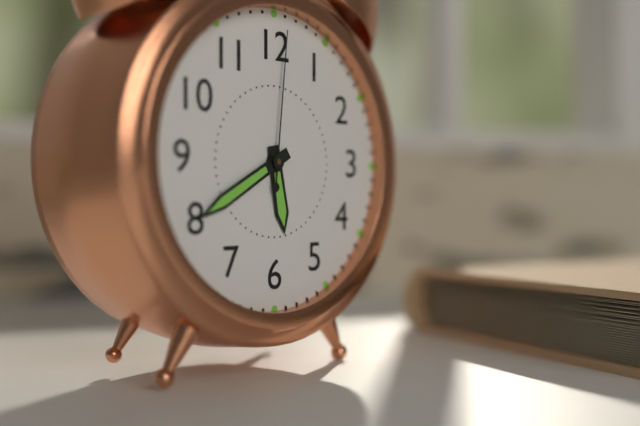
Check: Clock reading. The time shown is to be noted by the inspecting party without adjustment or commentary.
5:40:01
